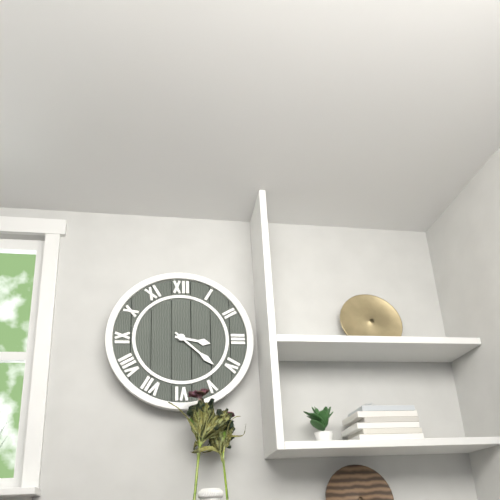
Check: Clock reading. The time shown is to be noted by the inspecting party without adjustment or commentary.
3:22
